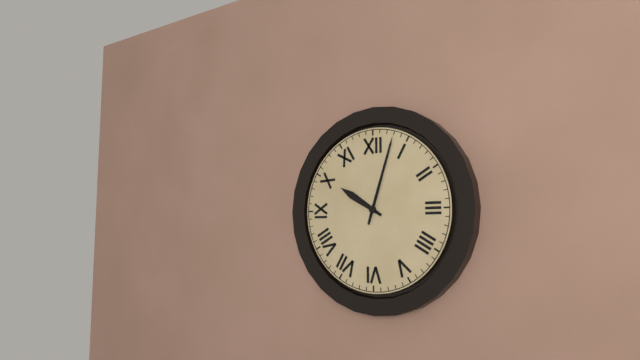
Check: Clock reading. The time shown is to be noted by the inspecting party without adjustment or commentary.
10:03
